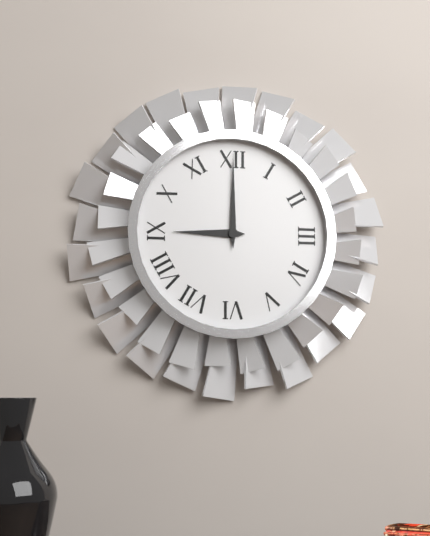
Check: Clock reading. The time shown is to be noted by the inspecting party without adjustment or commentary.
9:00
